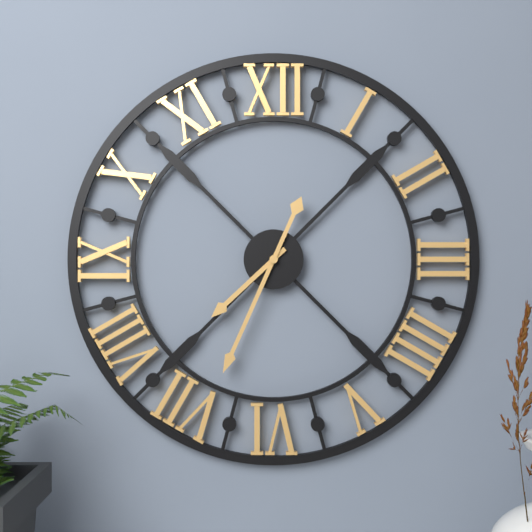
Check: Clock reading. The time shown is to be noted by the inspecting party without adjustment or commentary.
7:34
